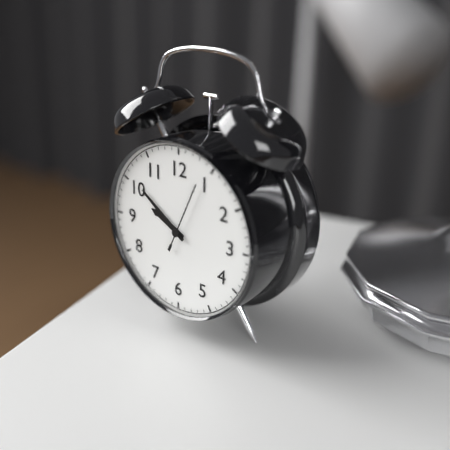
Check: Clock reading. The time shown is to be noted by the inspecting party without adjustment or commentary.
9:51:04
